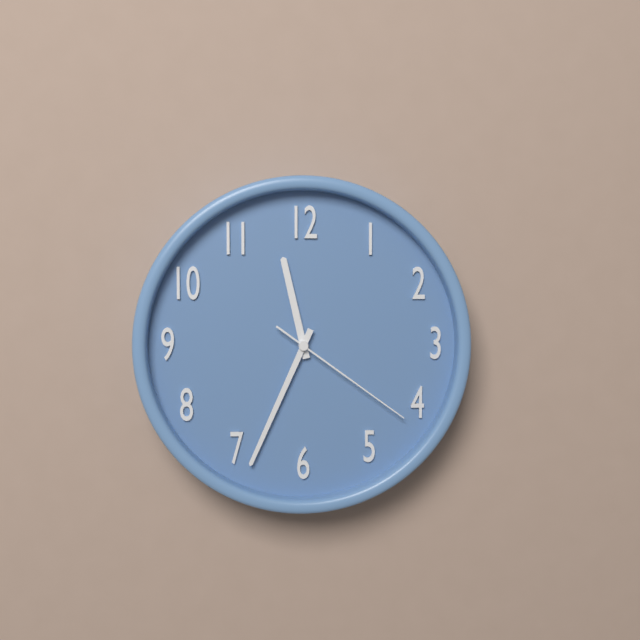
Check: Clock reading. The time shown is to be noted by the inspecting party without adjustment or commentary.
11:34:21
